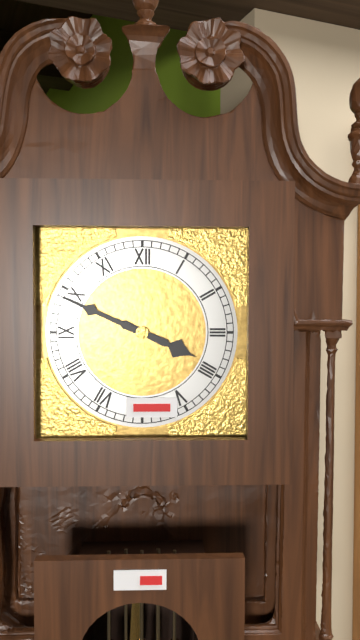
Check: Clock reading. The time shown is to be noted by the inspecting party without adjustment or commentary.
3:49
